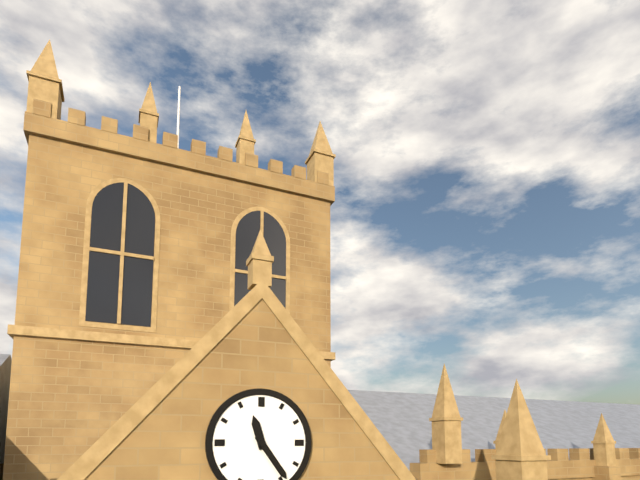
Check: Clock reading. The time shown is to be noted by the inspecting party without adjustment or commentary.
11:24
